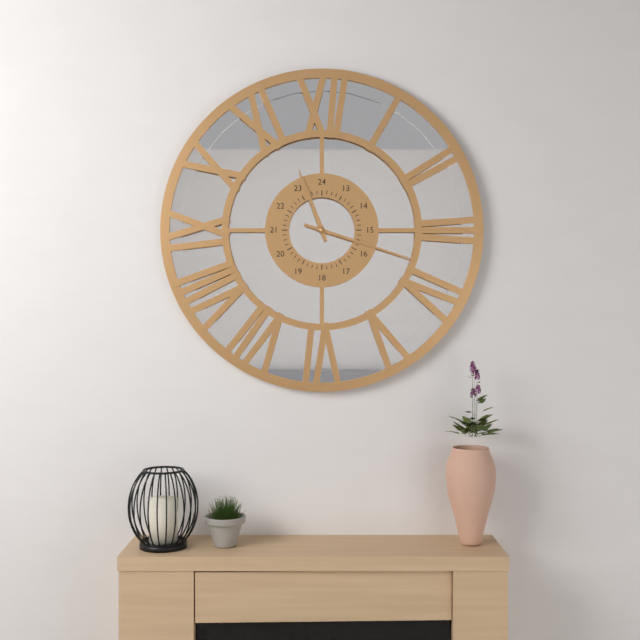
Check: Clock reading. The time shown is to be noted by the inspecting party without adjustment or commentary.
11:18
